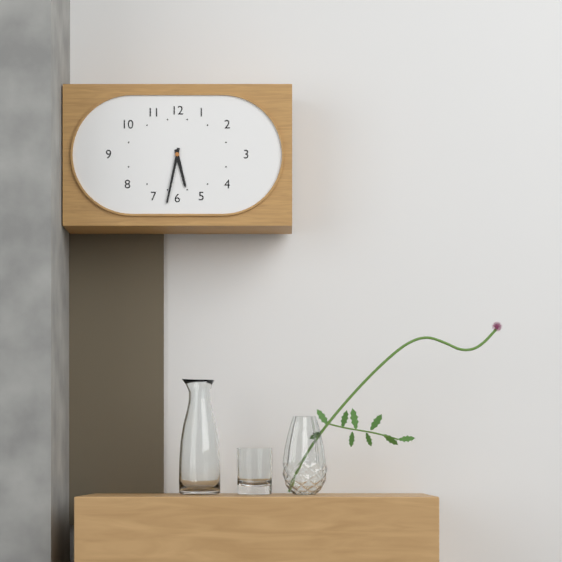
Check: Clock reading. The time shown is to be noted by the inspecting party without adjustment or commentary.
5:32
